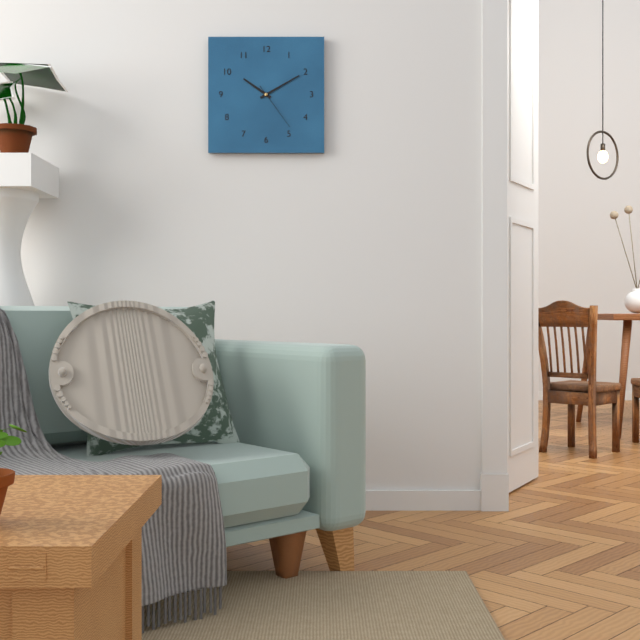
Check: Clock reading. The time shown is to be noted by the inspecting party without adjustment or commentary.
10:10:24
